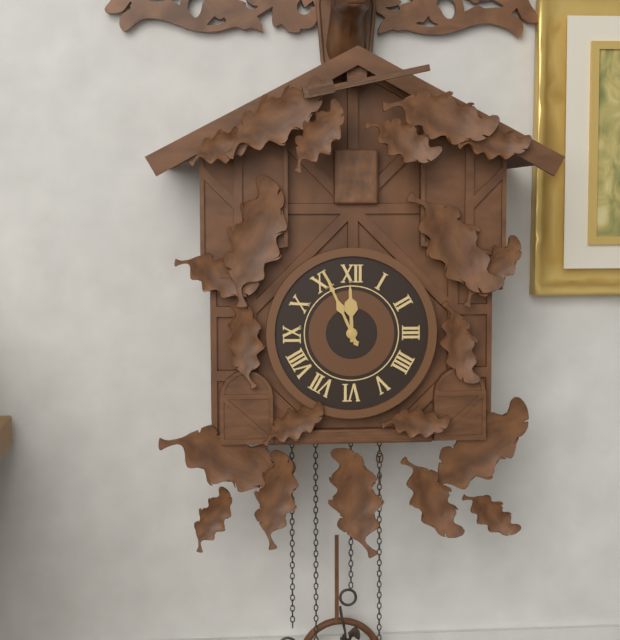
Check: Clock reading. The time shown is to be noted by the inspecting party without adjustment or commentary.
11:56
